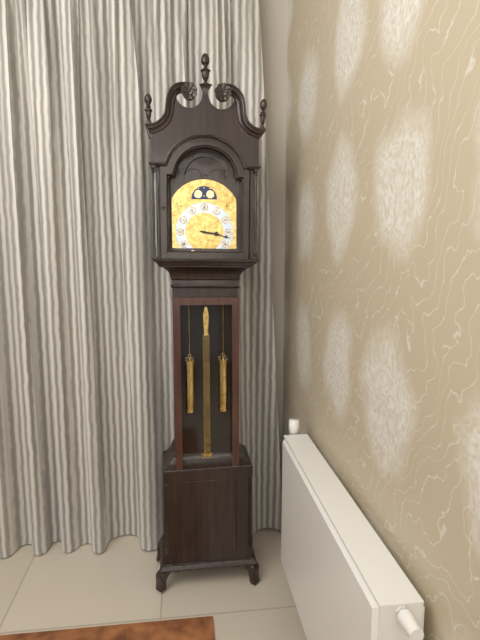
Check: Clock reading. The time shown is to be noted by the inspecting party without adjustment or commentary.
3:17
